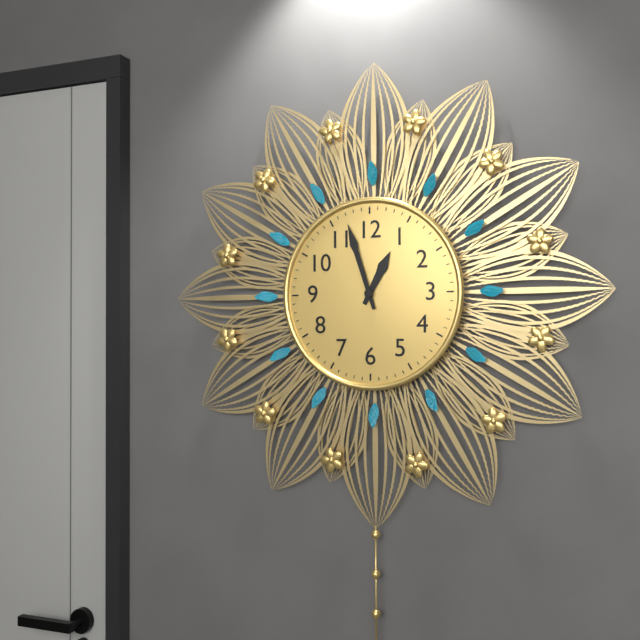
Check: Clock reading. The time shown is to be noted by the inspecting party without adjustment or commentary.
12:57
